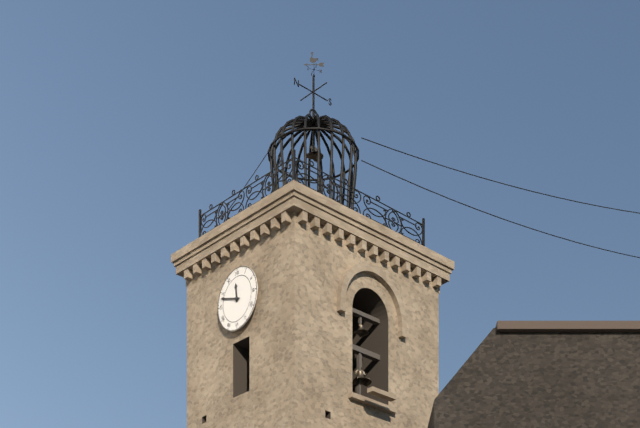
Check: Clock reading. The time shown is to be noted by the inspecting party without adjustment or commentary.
11:48
